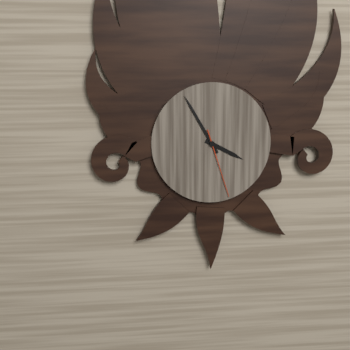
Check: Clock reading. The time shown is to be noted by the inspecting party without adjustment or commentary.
3:55:27
